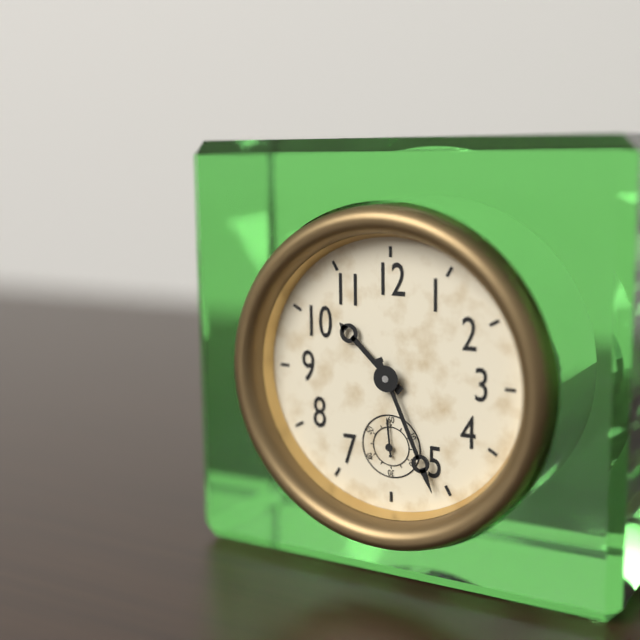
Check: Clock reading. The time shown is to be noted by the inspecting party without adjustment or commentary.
10:26
